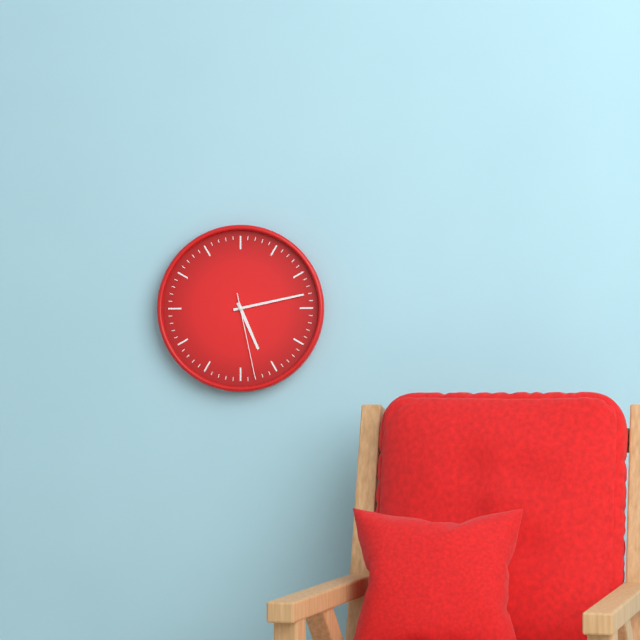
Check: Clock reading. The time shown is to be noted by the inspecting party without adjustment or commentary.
5:13:28
